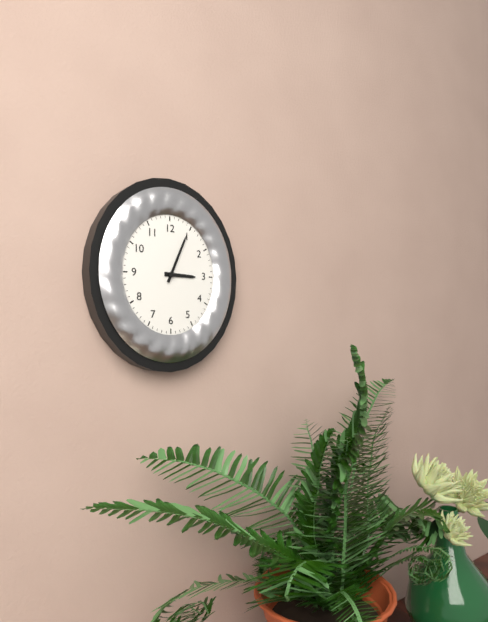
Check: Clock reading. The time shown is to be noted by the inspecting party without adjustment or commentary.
3:04
